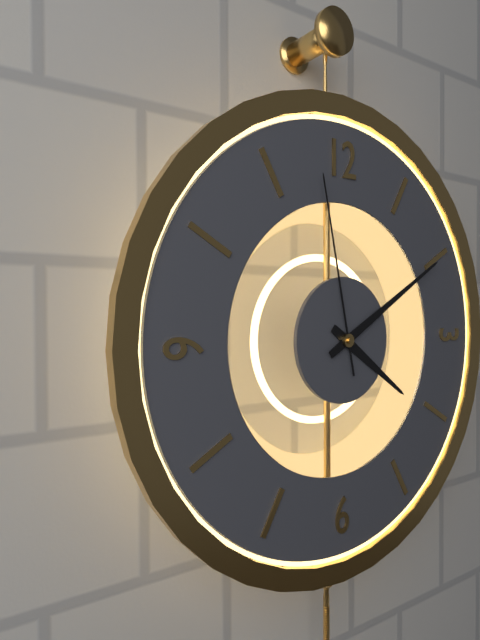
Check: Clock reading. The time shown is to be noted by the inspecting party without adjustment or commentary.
4:10:58
